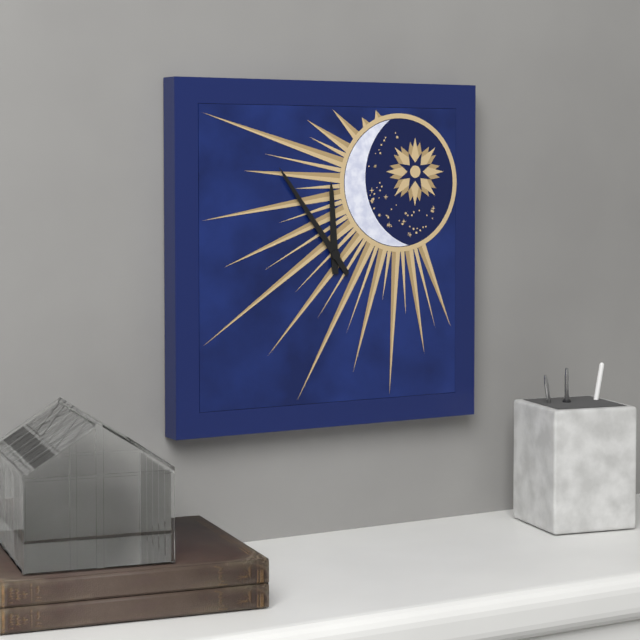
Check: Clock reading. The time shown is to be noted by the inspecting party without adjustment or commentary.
11:54
